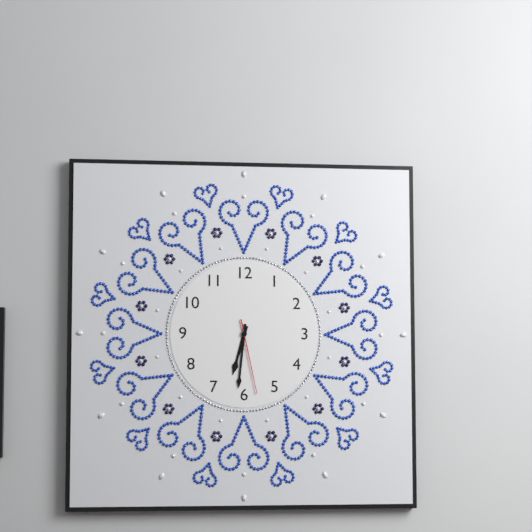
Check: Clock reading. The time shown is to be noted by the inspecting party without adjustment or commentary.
6:31:28
